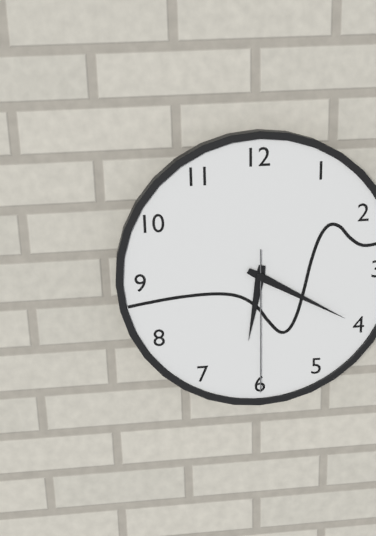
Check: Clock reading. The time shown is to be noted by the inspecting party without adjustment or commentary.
6:20:30
